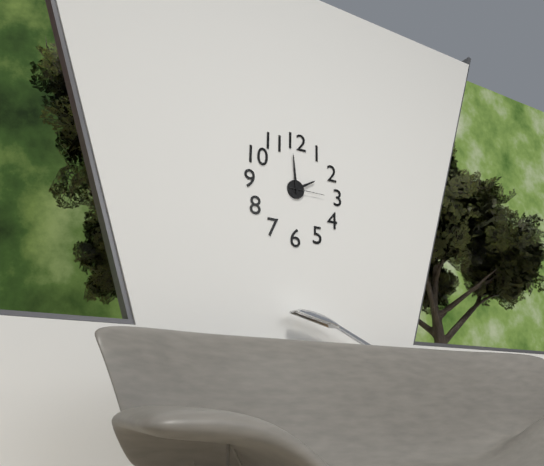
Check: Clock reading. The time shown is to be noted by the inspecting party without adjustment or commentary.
1:59
